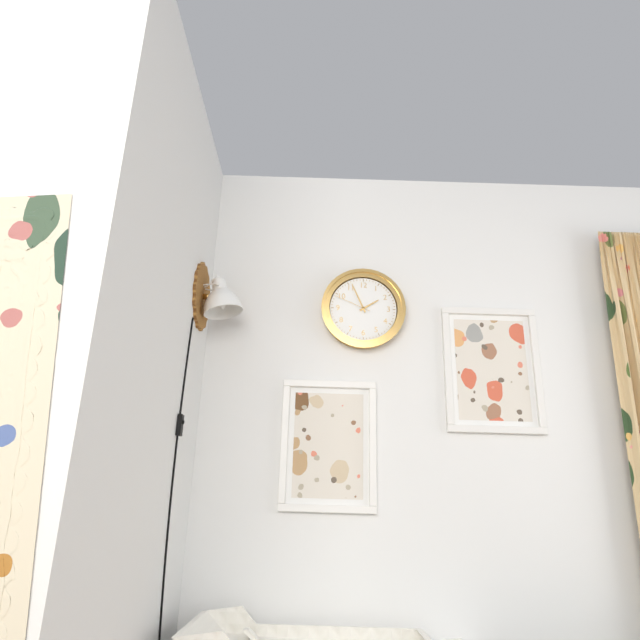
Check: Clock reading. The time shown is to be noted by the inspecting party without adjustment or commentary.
1:56
